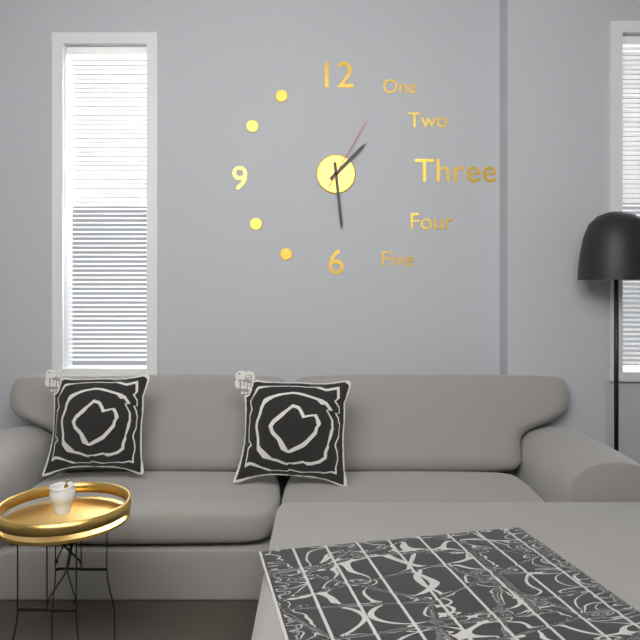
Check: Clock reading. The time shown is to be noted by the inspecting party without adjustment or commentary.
1:29:05
